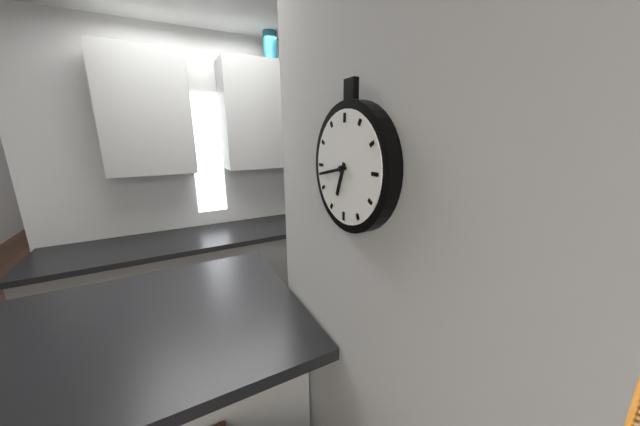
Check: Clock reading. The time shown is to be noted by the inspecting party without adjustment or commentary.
6:43
